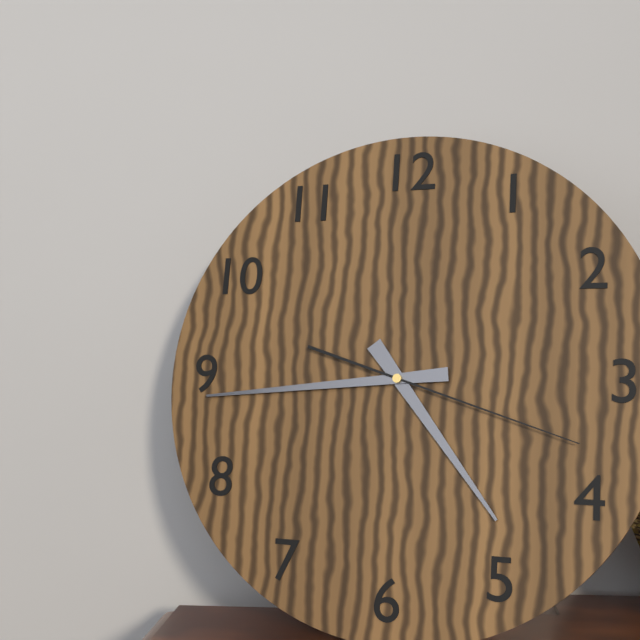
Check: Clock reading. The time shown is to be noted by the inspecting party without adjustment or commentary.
4:44:18
